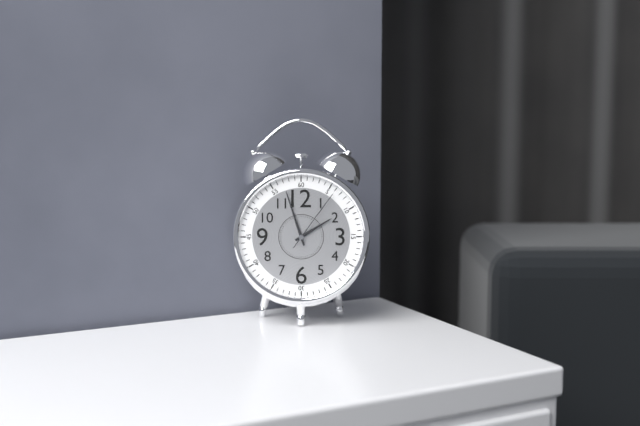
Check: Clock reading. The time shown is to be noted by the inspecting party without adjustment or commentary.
1:57:06
